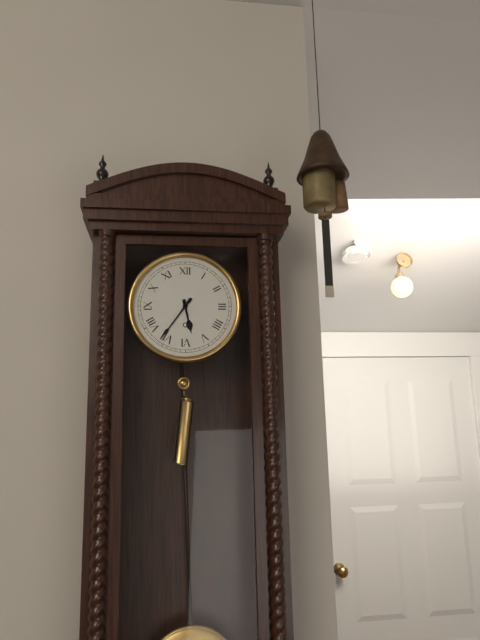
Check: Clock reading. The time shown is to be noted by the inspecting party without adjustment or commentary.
5:36
